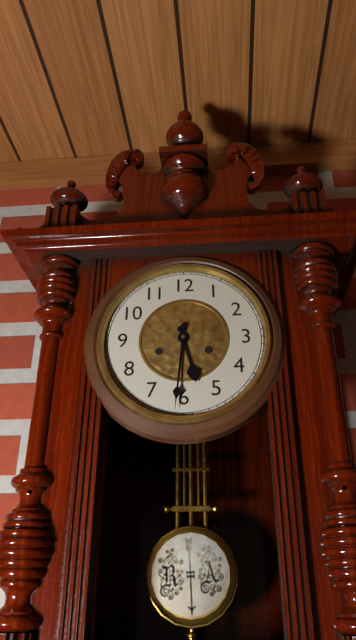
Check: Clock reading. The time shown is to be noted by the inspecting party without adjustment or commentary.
5:31
